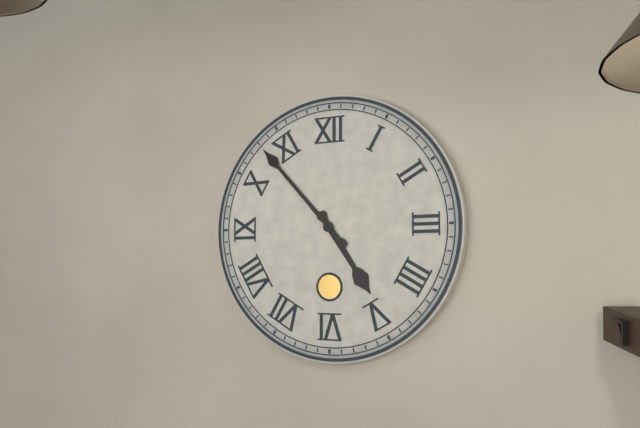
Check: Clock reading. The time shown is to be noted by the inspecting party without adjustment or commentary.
4:53
